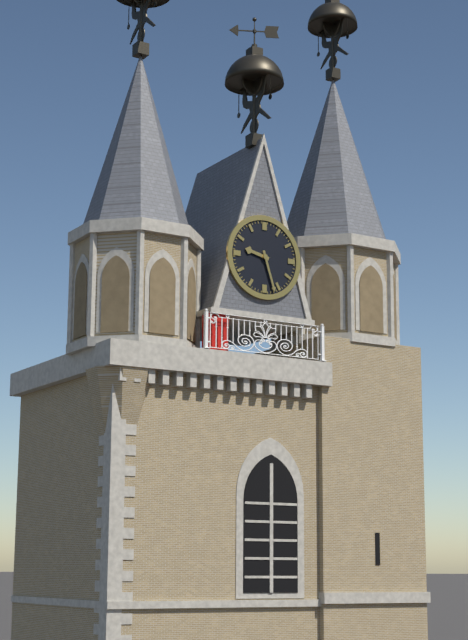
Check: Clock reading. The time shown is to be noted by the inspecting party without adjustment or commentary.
9:27
